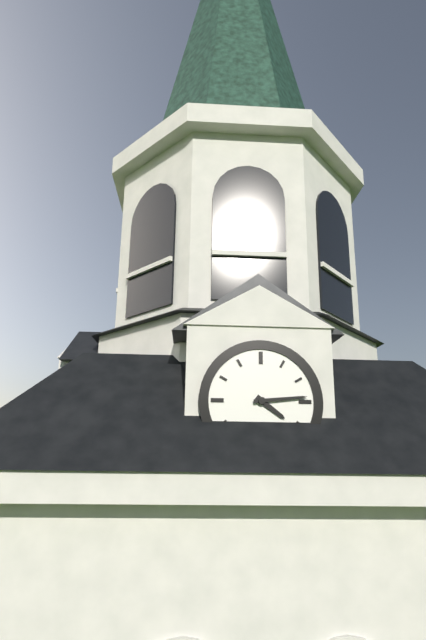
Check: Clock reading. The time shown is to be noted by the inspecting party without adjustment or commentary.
4:14
